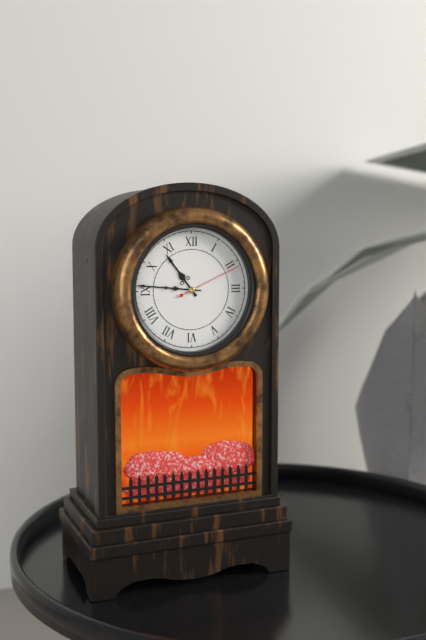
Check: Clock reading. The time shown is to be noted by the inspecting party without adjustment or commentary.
10:46:11
